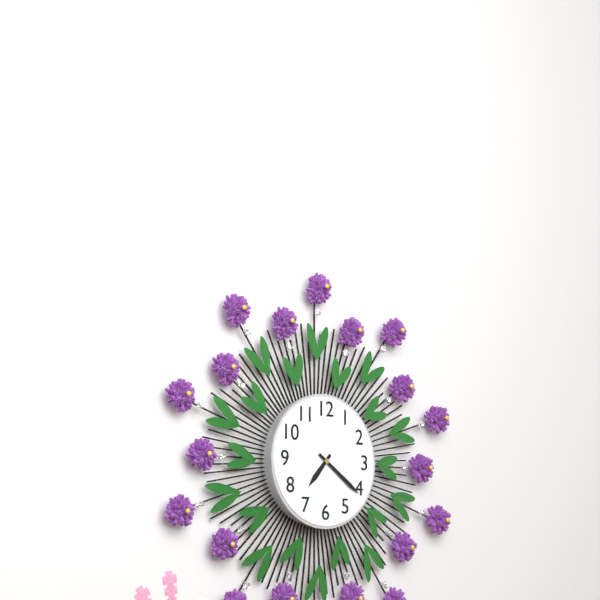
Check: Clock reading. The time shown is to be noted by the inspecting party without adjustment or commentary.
7:21
